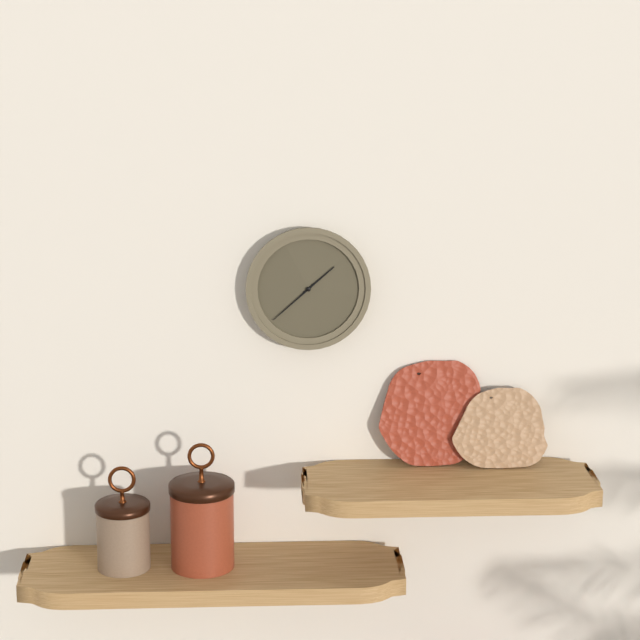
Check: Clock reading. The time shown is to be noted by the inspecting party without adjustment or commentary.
1:38
